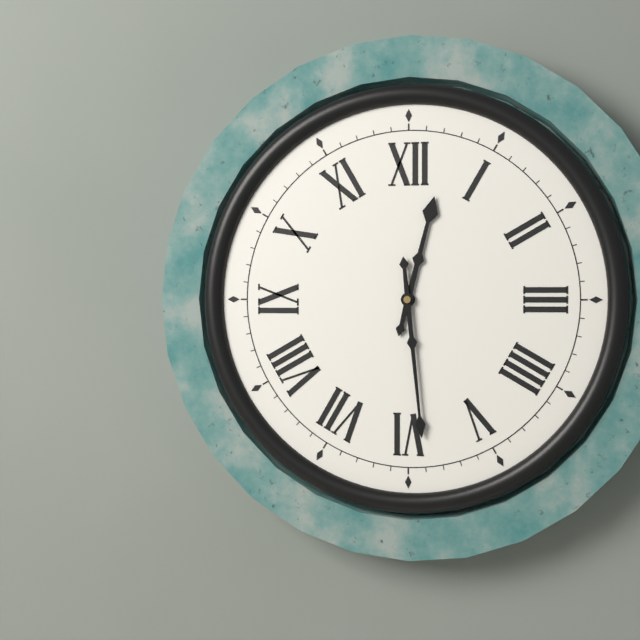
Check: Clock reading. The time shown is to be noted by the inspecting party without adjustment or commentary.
12:29
